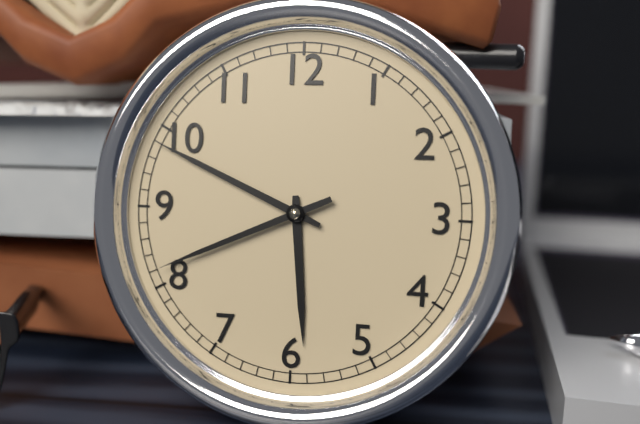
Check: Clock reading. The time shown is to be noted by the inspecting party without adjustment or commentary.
5:49:41
